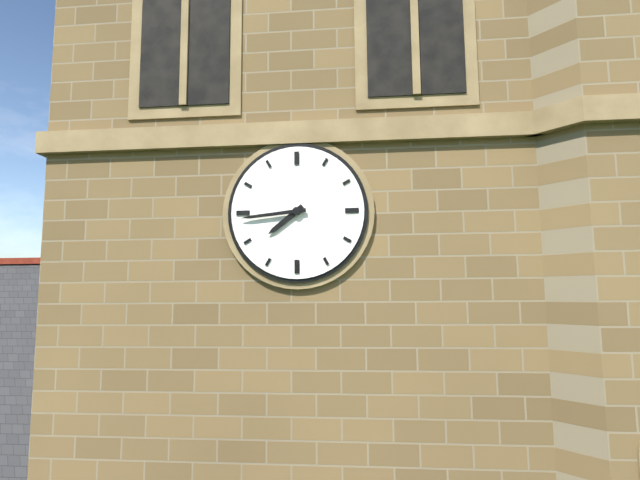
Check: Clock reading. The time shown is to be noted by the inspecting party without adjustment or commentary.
7:44
